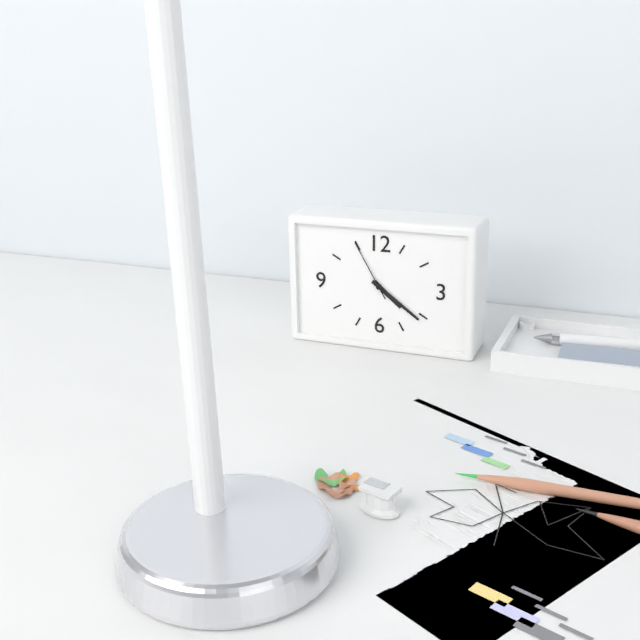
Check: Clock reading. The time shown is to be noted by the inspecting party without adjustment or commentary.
4:21:55
